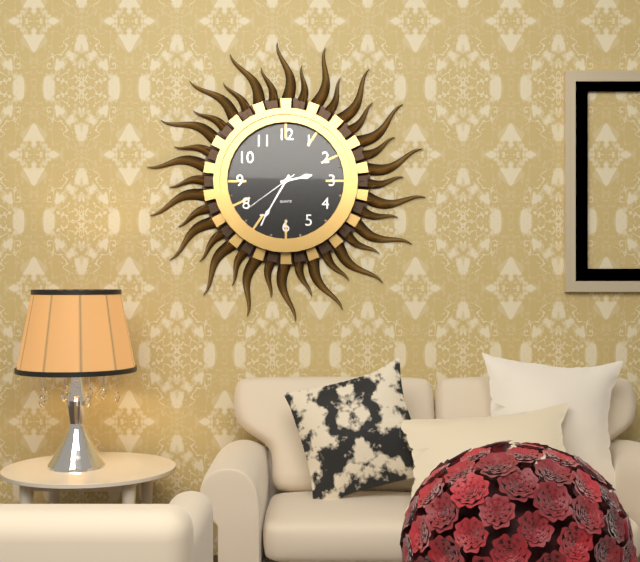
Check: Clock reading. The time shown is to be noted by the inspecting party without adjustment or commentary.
2:35:39
